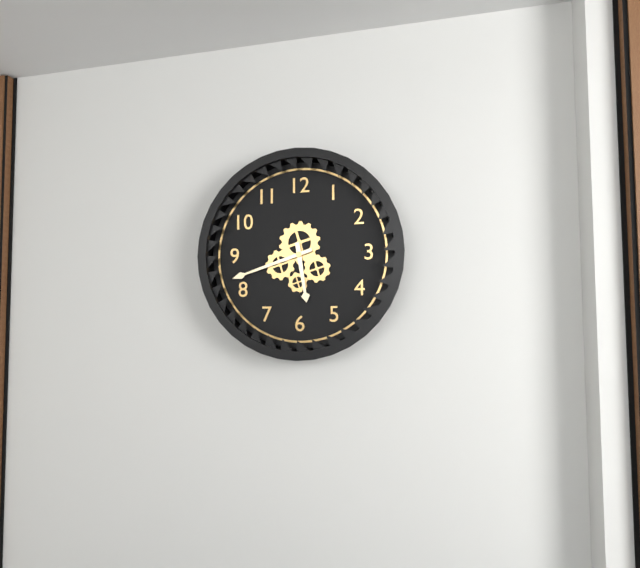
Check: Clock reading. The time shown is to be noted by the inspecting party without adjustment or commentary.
5:42
